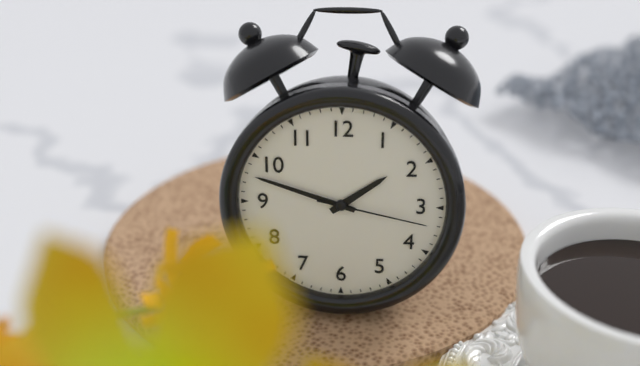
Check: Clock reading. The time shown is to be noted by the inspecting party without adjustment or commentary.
1:48:17
